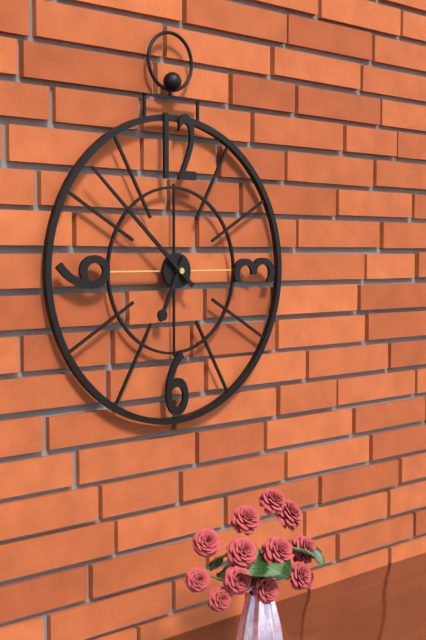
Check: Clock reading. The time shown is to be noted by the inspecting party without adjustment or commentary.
6:52
